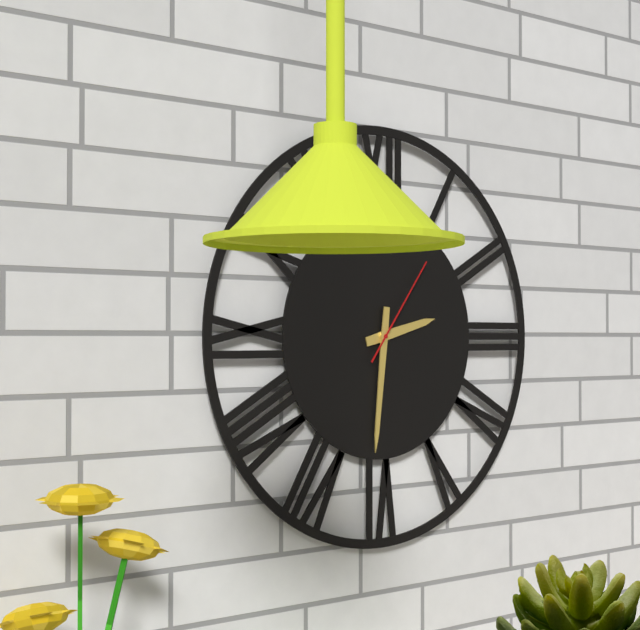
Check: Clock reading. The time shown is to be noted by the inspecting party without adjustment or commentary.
2:31:06
